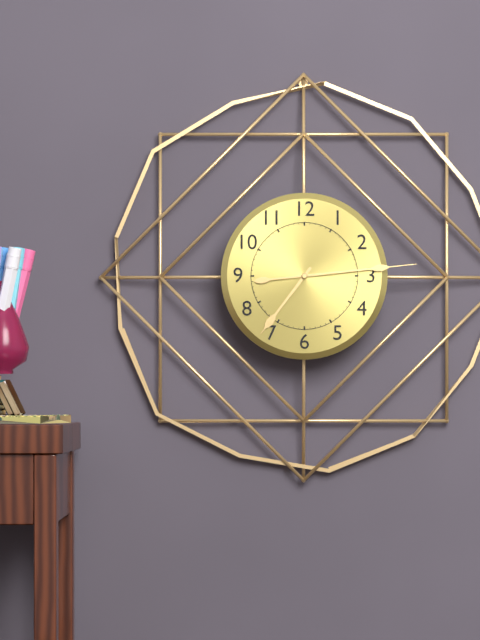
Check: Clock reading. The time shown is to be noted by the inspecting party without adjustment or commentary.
7:14
